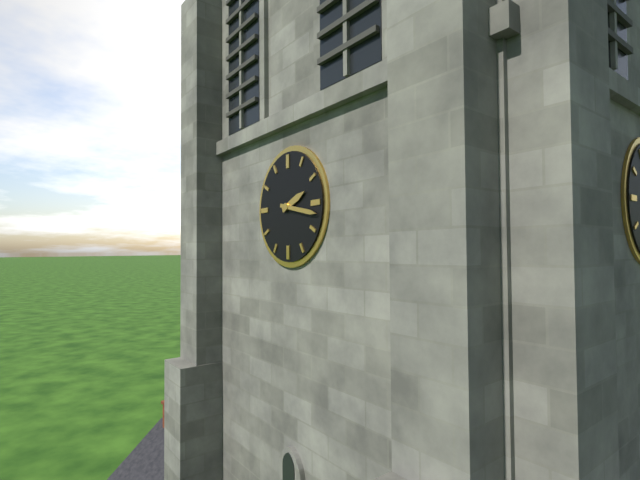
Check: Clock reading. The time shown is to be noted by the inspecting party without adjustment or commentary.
2:17
